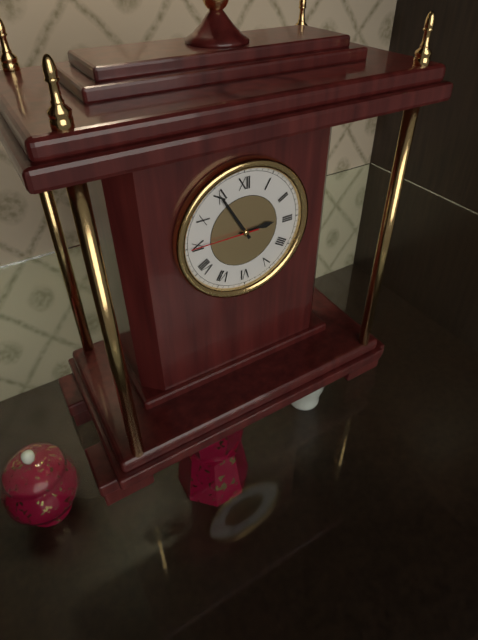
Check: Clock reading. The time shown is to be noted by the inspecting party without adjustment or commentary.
2:55:45
